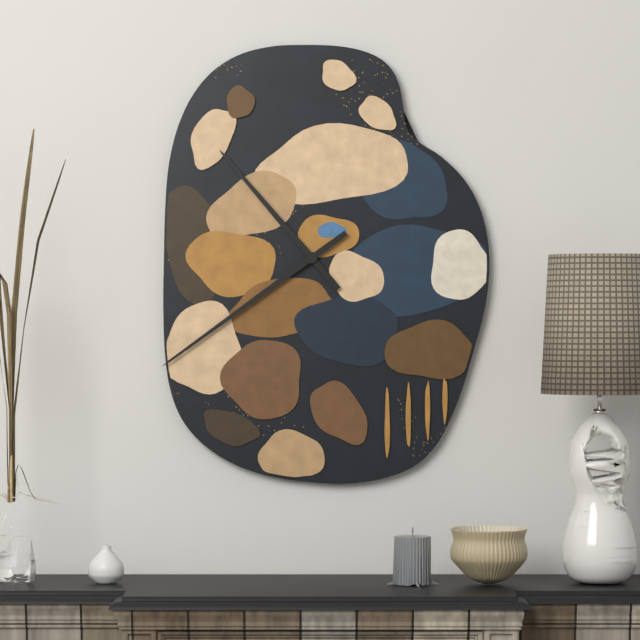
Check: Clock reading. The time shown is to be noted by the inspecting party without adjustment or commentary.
10:39
